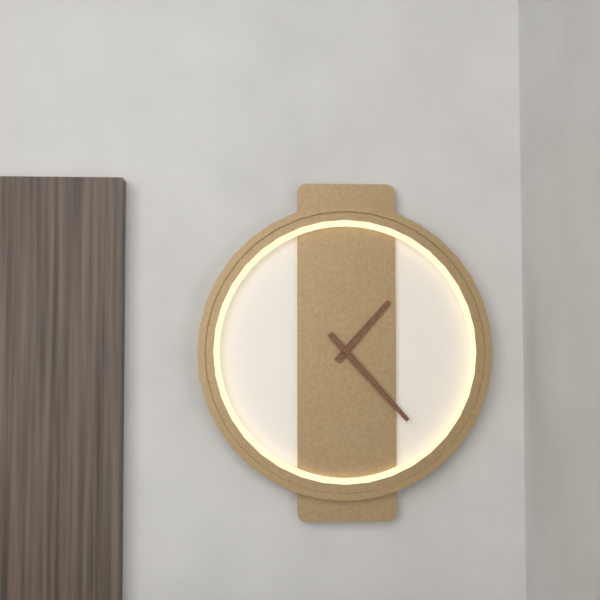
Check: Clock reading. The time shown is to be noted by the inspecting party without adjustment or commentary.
1:23
